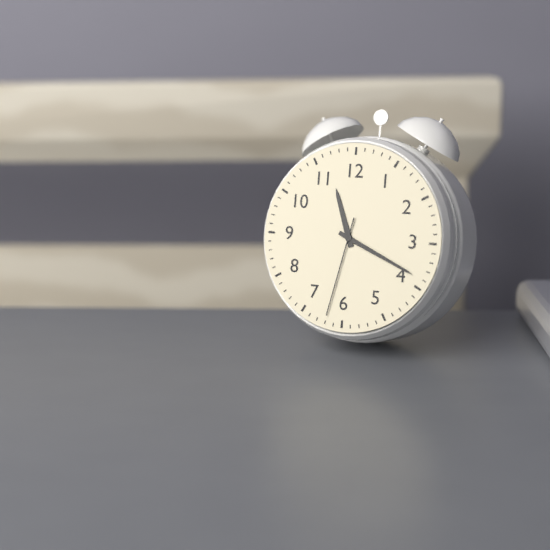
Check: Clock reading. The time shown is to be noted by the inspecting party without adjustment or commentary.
11:19:32
